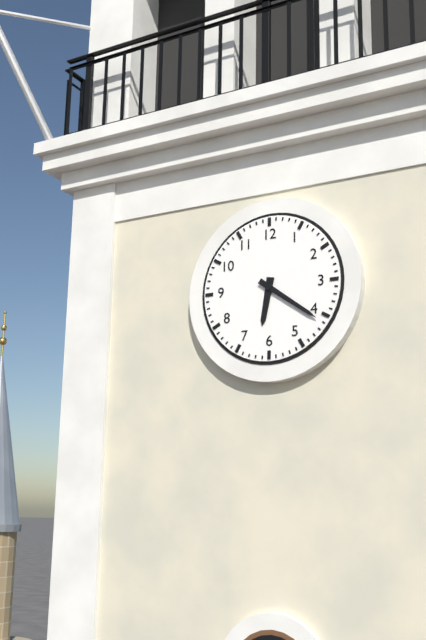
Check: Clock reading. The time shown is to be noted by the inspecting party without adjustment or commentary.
6:21
